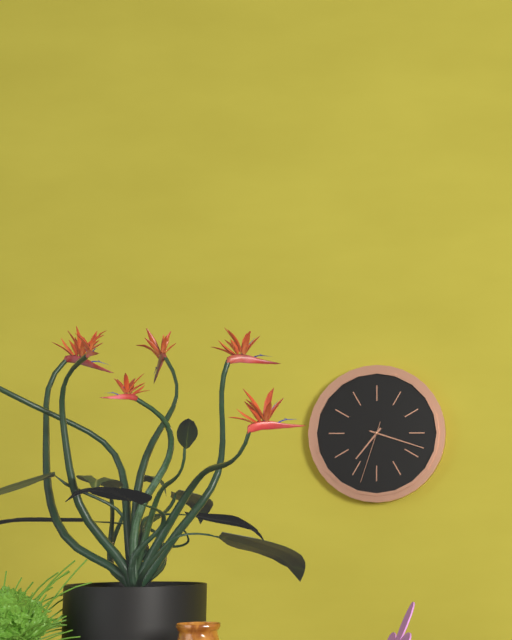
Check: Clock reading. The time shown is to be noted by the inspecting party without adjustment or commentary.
7:18:33
